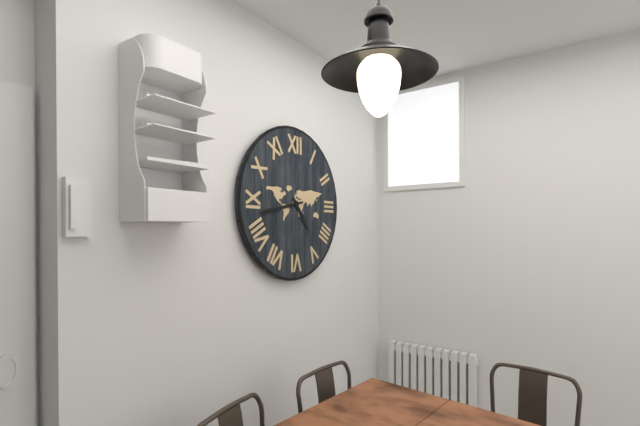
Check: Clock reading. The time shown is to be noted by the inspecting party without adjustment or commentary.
4:43
